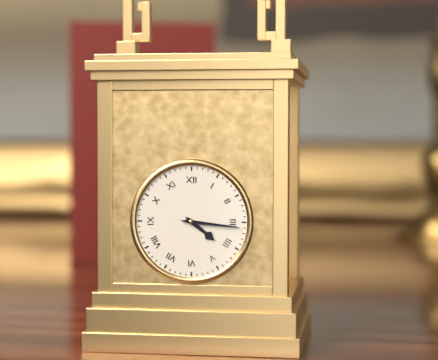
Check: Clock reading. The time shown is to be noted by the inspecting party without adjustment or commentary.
4:16
